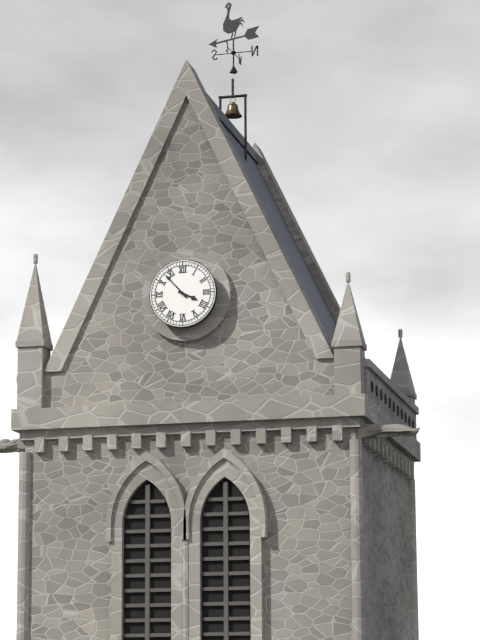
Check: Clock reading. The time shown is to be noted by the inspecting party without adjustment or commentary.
3:53
